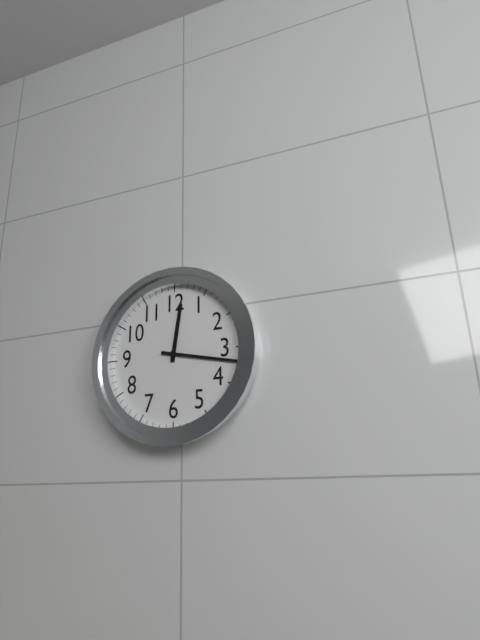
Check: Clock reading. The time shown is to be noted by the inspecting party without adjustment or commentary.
12:17
